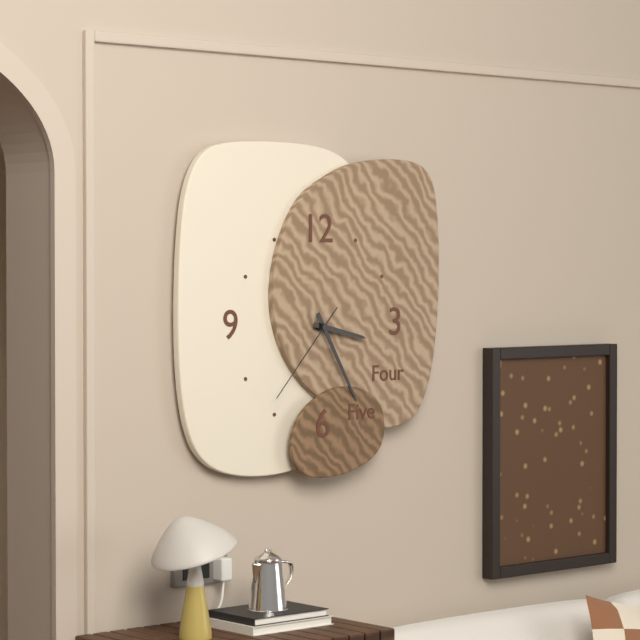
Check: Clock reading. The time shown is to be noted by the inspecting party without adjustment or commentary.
3:25:37
